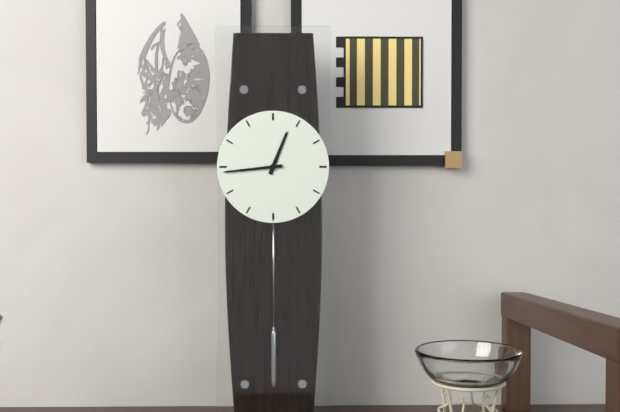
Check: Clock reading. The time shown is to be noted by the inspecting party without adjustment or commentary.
12:44
